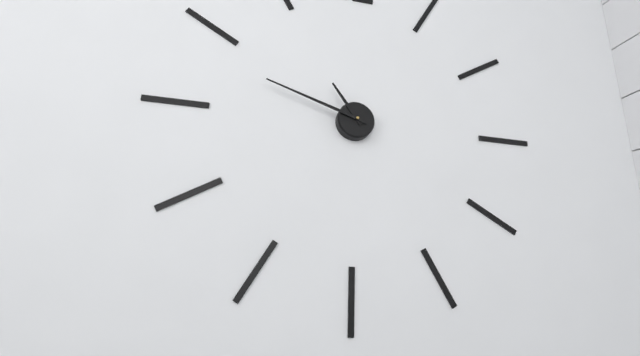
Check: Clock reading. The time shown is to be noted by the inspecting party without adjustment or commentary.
10:48
